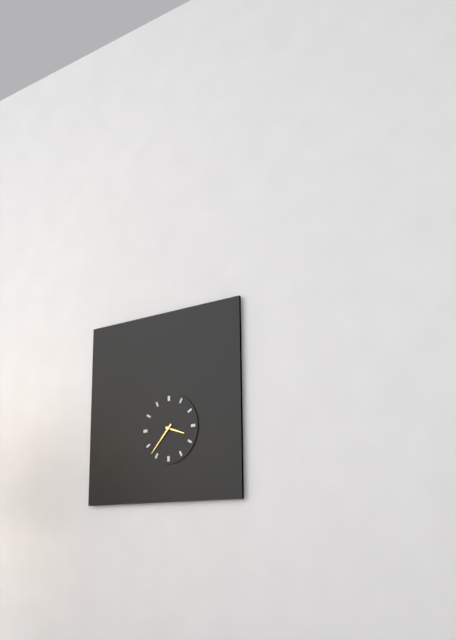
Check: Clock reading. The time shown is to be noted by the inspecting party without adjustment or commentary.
3:37
